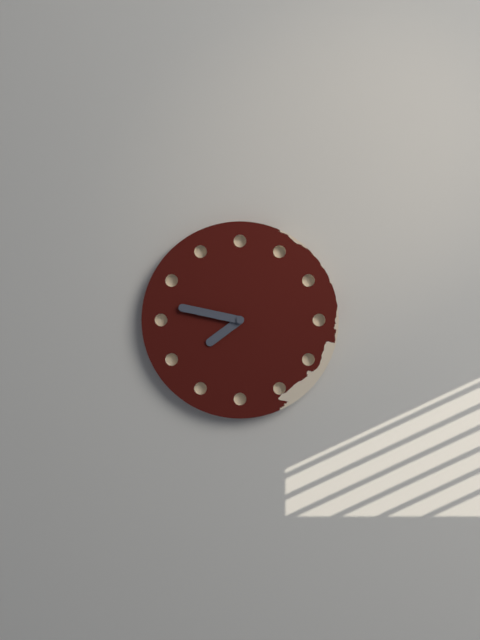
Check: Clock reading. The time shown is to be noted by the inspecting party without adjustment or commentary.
7:47
